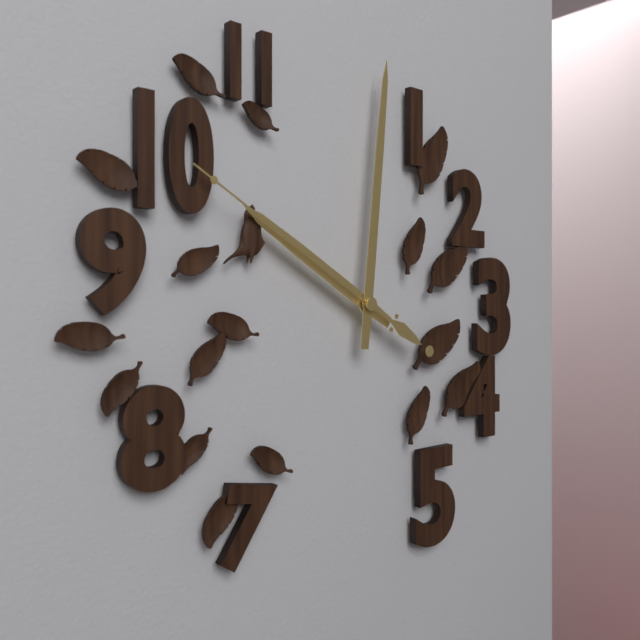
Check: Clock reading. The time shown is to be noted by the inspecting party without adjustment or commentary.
10:01:50
